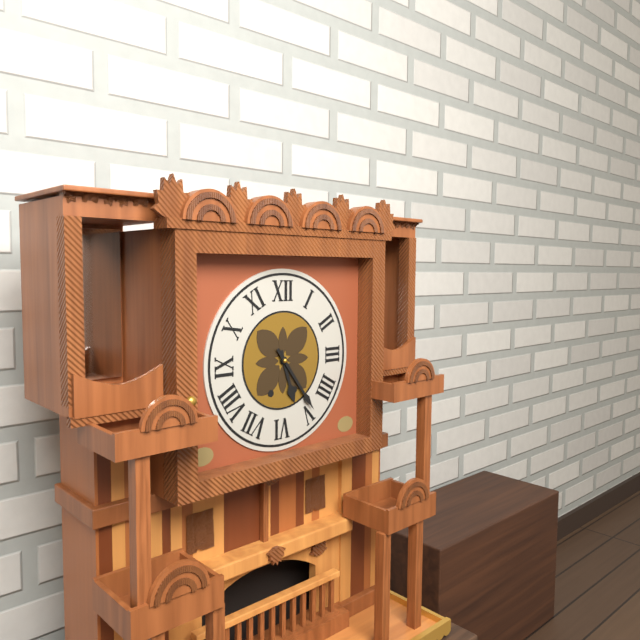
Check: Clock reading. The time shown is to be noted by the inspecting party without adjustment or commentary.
5:24
